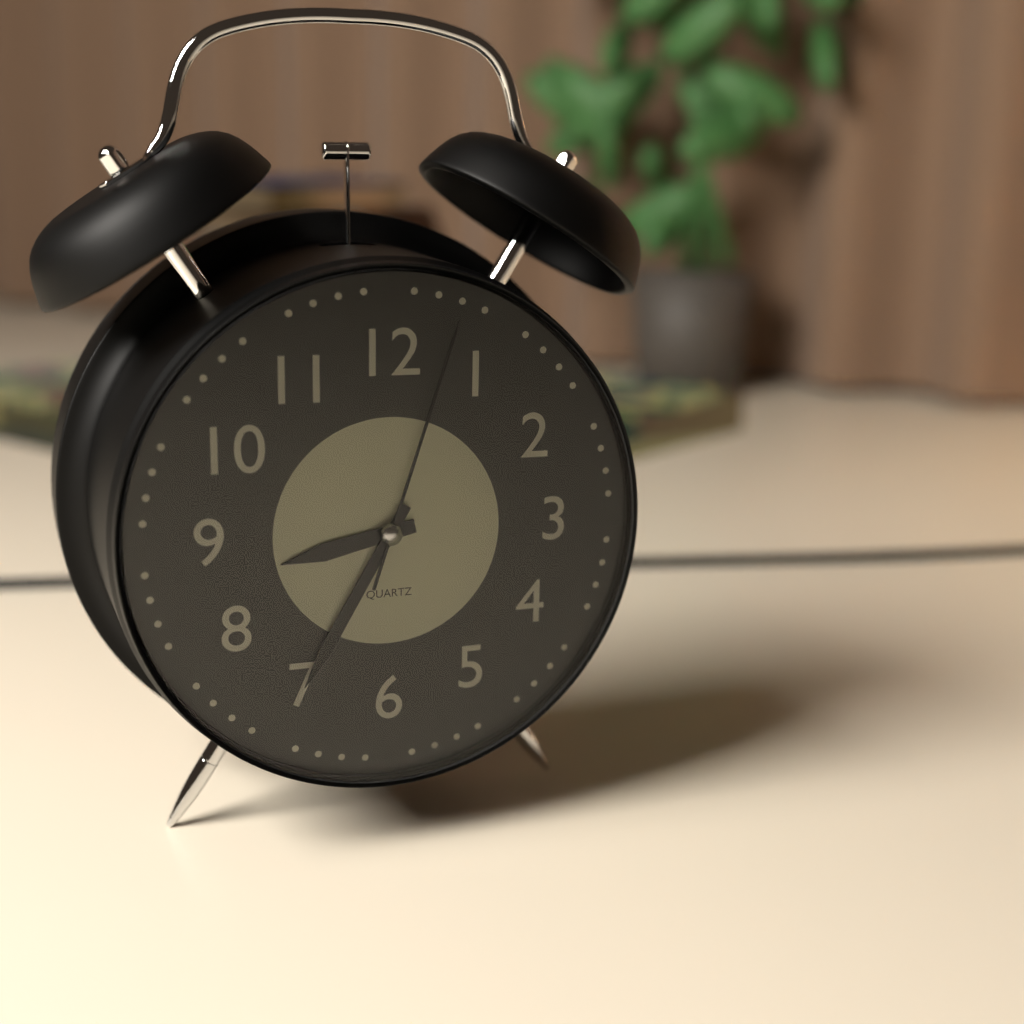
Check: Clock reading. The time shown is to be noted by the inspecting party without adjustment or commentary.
8:35:03
